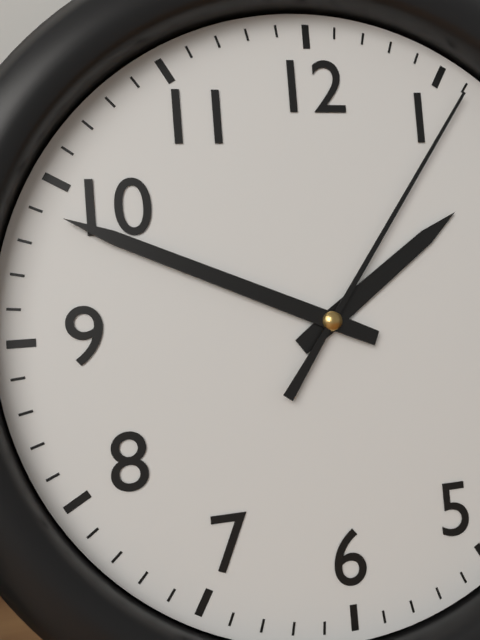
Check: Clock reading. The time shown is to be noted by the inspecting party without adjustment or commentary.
1:49:06
